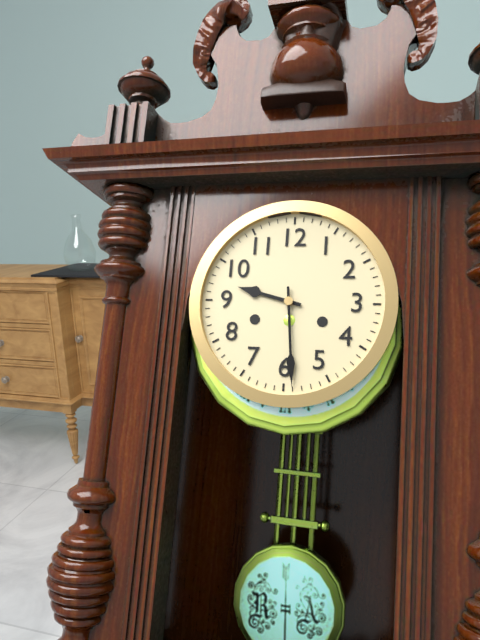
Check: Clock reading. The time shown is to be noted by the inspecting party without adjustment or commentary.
9:29
